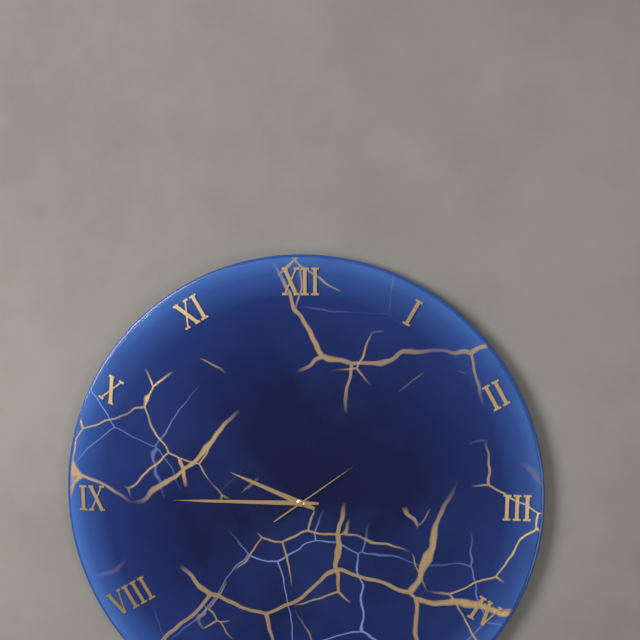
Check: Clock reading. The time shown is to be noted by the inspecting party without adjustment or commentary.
9:45:09
